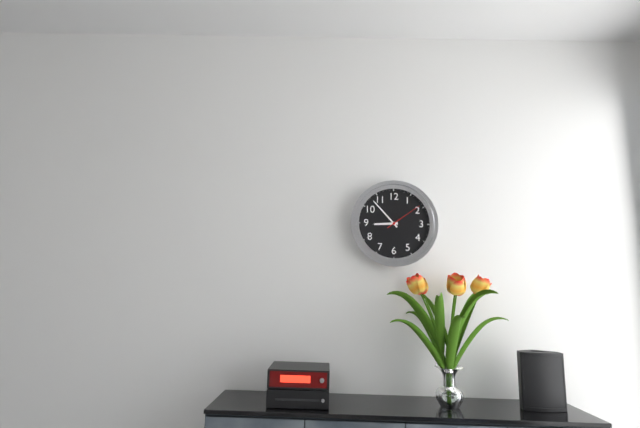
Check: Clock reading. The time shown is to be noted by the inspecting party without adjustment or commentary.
8:53
